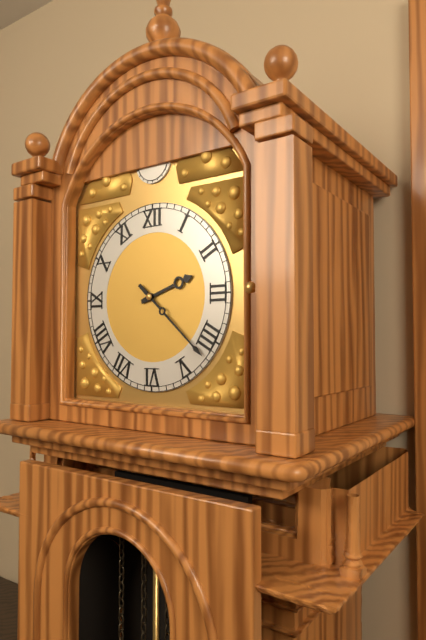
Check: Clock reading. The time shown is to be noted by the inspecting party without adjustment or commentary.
2:22
